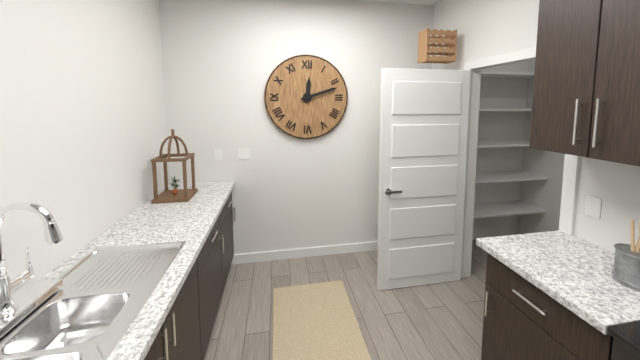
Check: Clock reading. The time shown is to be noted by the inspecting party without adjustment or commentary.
12:12
